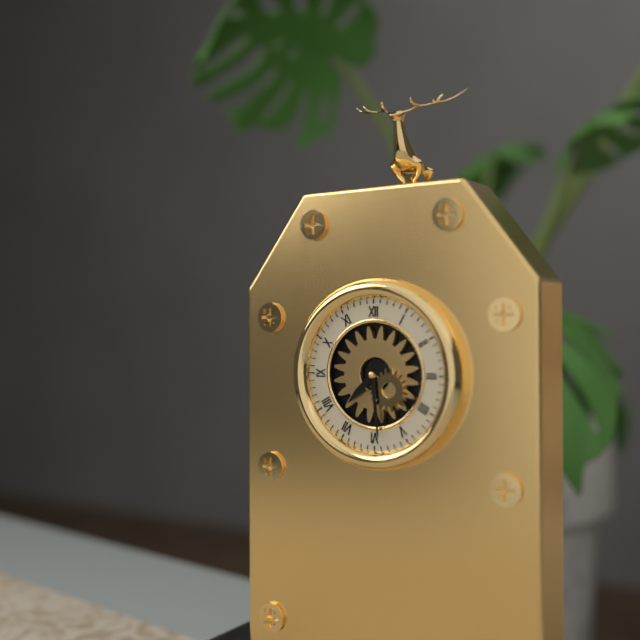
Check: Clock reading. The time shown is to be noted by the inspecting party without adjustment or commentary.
7:29
